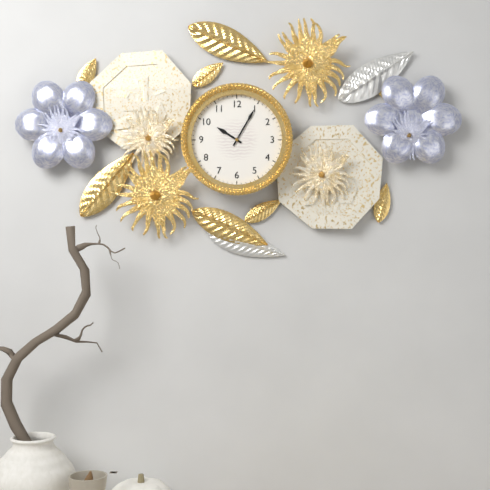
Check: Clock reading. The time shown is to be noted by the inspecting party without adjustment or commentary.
10:05
